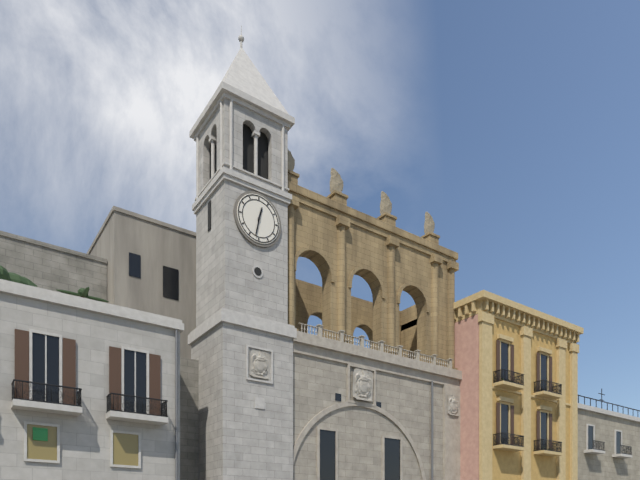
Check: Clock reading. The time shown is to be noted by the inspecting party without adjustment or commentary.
12:32
